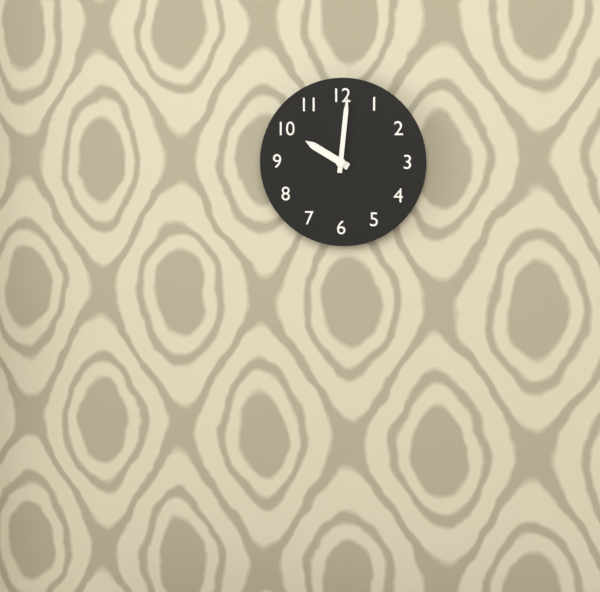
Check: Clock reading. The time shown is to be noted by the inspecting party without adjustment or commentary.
10:01
